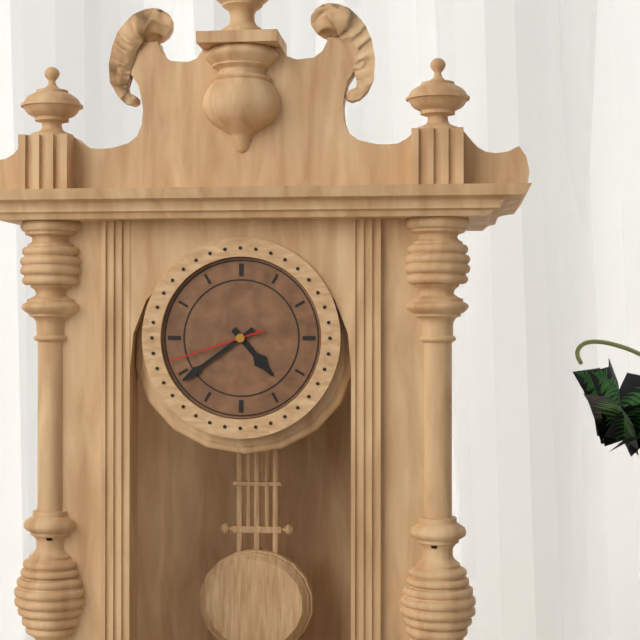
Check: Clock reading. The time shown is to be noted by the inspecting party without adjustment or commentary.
4:39:42
